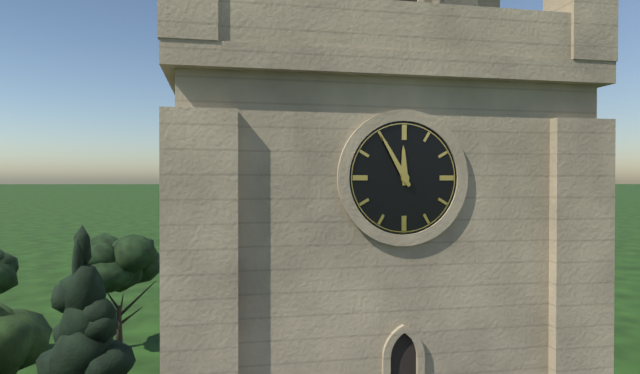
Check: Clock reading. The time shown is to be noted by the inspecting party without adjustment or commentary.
11:55
